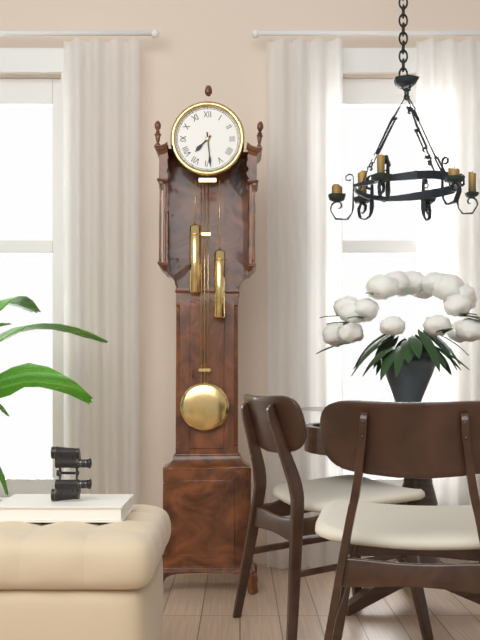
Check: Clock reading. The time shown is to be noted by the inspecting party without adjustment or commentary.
7:29
